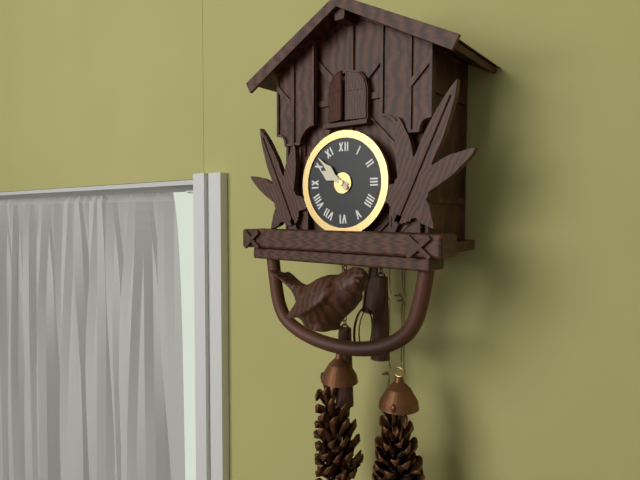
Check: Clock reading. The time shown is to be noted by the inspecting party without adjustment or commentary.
9:52
